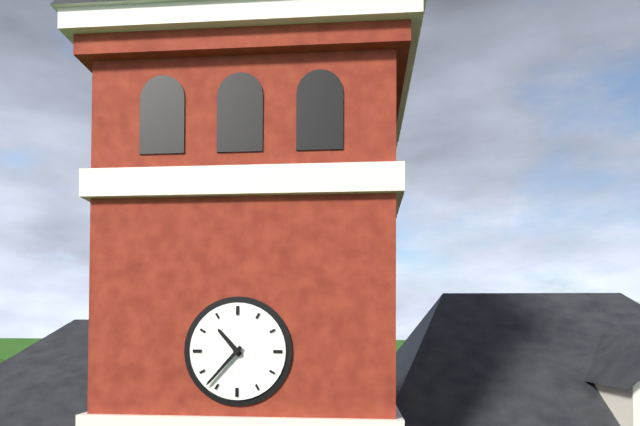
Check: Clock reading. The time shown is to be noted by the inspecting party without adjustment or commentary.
10:37
